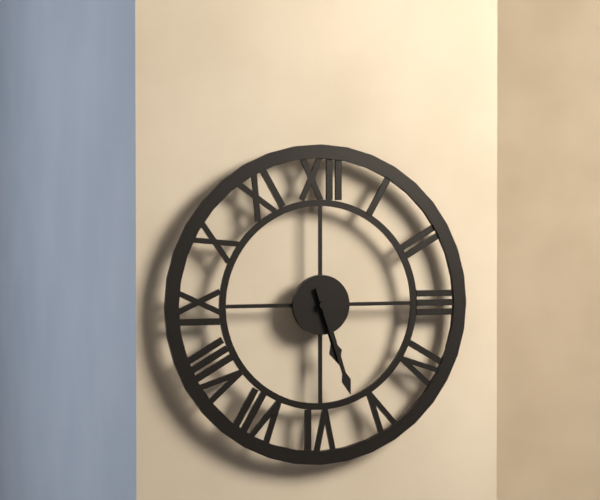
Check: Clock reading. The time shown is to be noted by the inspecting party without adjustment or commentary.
5:27
